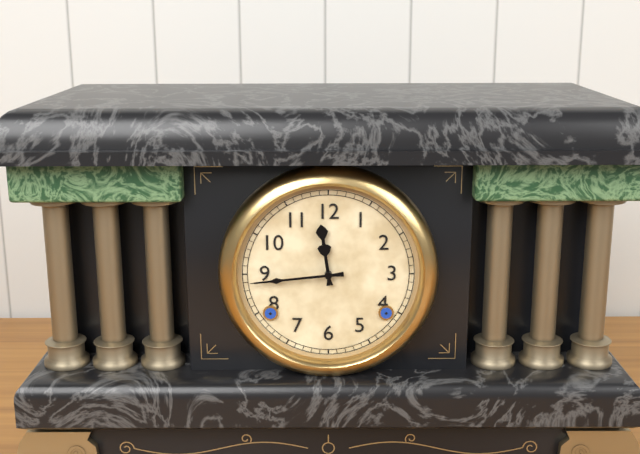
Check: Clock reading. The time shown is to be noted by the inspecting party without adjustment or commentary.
11:44
